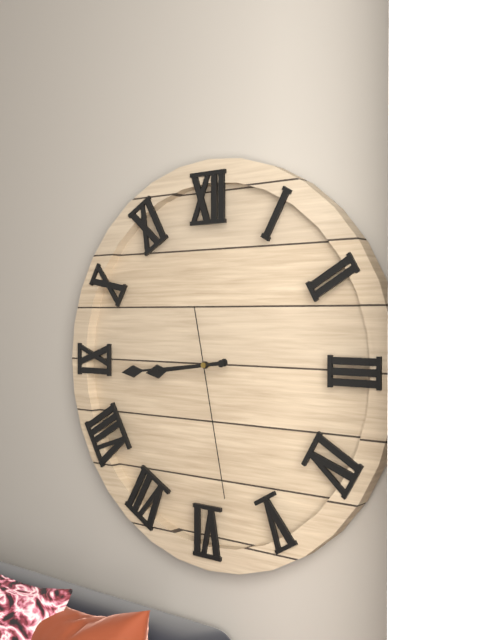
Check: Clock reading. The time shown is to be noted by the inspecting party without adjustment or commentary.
8:44:28
